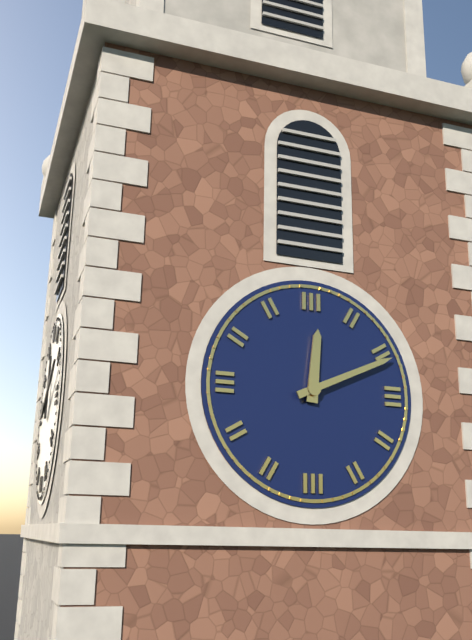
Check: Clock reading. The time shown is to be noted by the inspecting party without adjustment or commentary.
12:11
